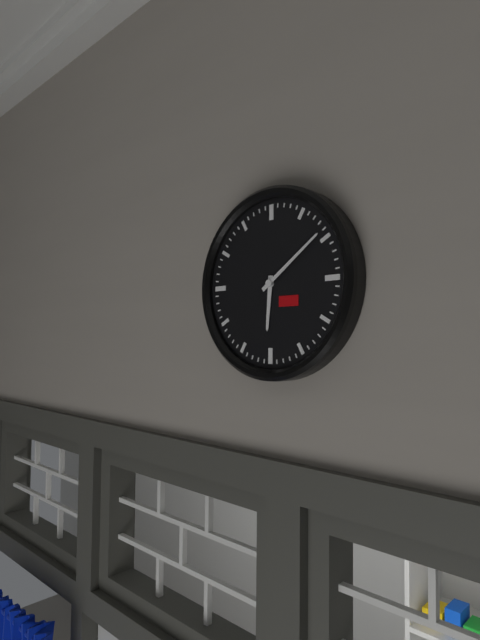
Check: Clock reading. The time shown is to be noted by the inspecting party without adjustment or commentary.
6:09
